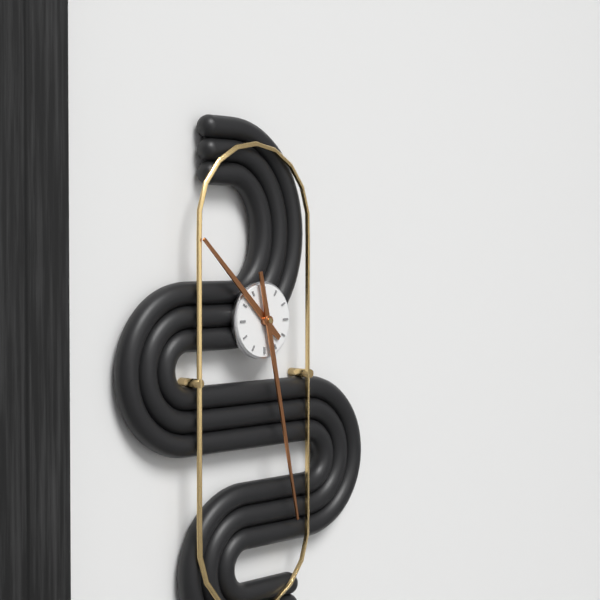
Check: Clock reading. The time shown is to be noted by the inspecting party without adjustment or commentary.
10:28
